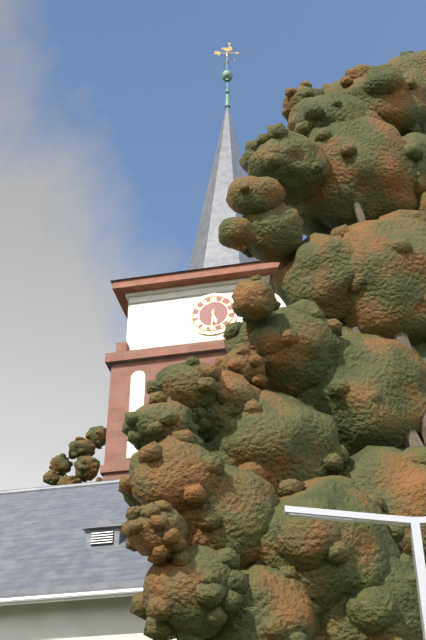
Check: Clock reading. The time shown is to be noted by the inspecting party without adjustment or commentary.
5:31
